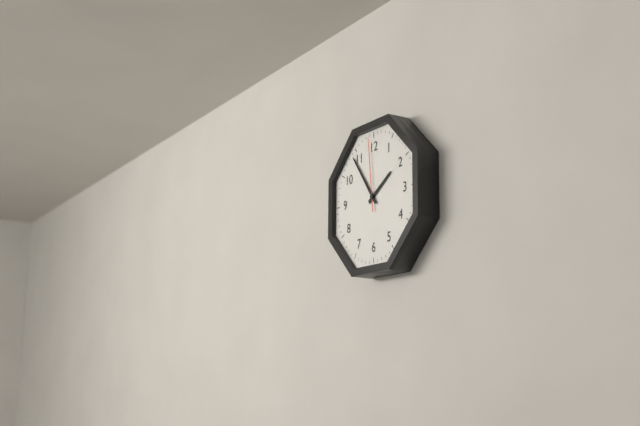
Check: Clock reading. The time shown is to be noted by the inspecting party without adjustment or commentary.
1:54:59
